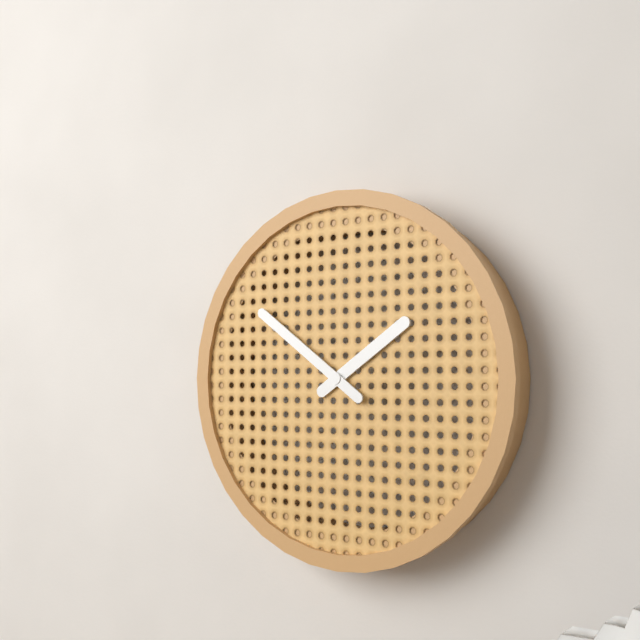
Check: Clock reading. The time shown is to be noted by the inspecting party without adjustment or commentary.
1:51
